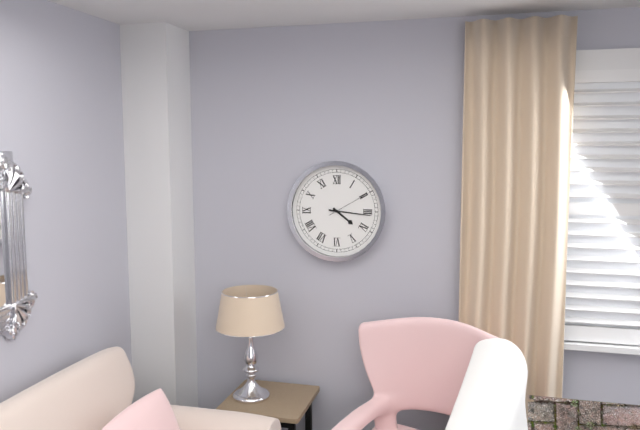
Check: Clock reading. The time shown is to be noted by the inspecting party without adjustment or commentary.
4:16
